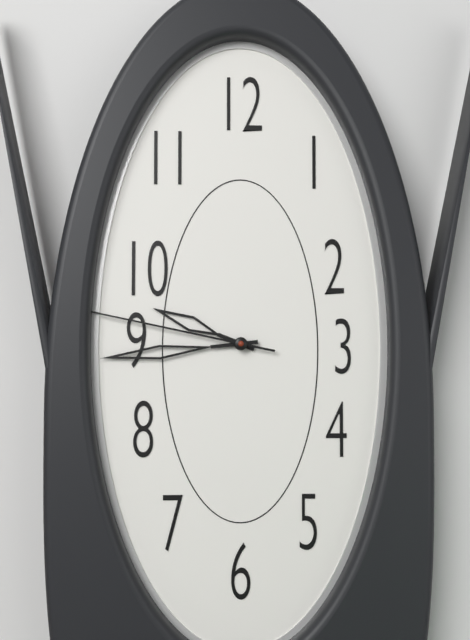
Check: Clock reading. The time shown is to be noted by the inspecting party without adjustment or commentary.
9:44:47
